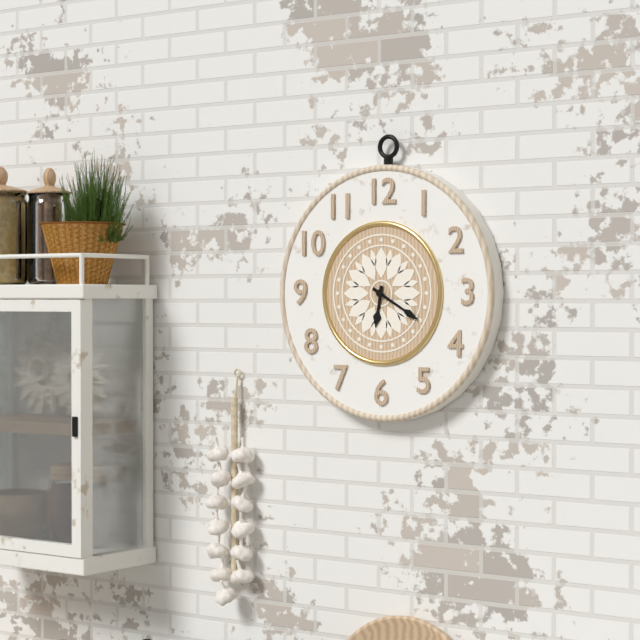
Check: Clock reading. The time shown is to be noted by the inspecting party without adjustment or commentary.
6:20
